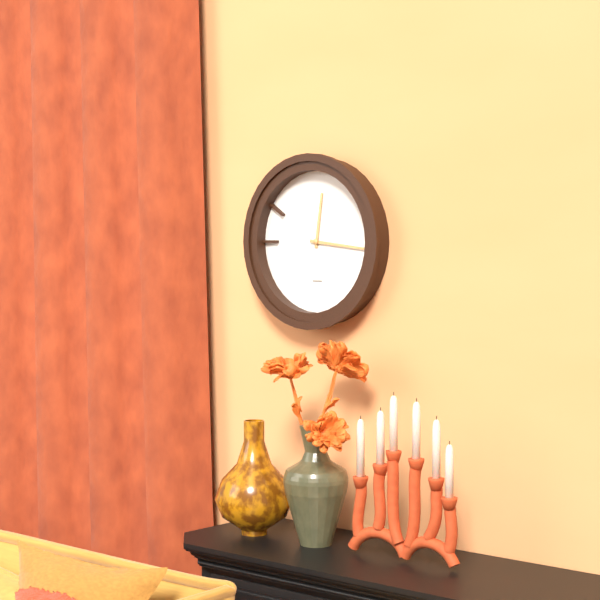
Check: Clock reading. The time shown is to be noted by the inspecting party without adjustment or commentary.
12:16
